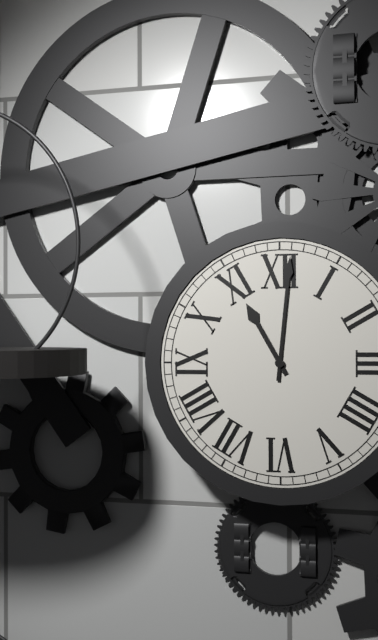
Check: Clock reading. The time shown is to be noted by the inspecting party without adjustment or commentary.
11:01
